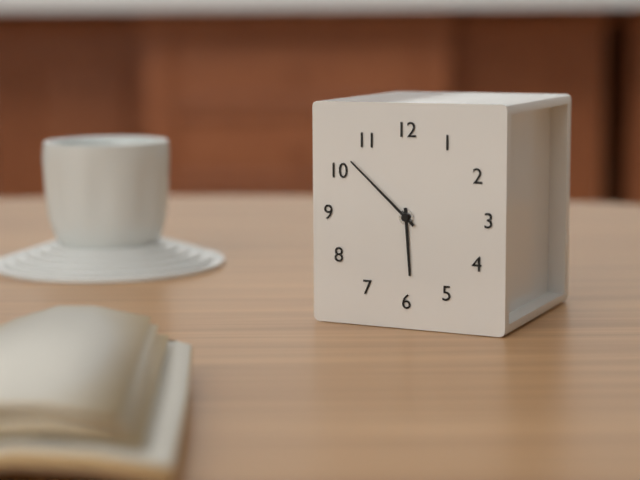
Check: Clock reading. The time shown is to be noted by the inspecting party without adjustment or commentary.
5:52
